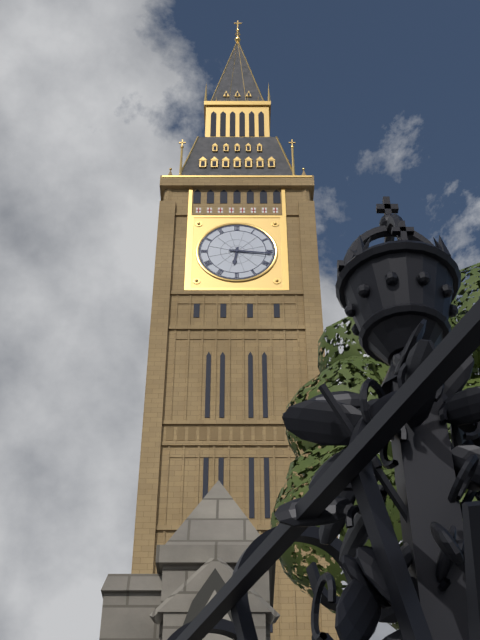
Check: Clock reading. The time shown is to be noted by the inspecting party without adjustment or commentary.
6:16
